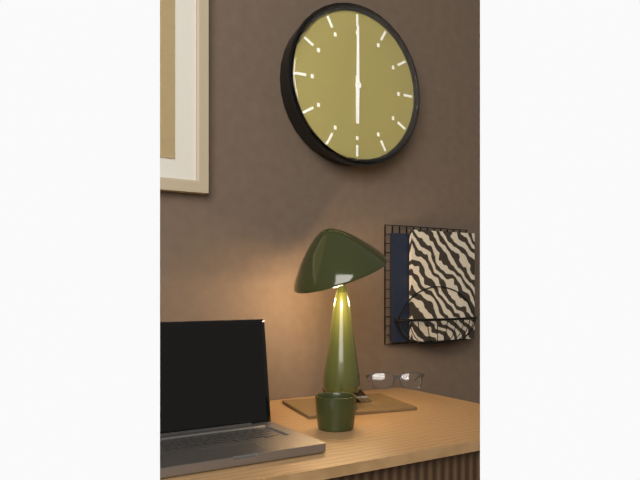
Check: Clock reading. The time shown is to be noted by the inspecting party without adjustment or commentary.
6:00
